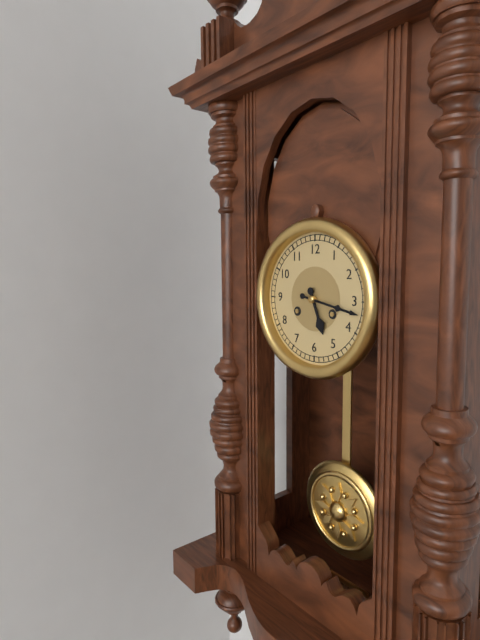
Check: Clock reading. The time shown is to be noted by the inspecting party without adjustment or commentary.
5:17
